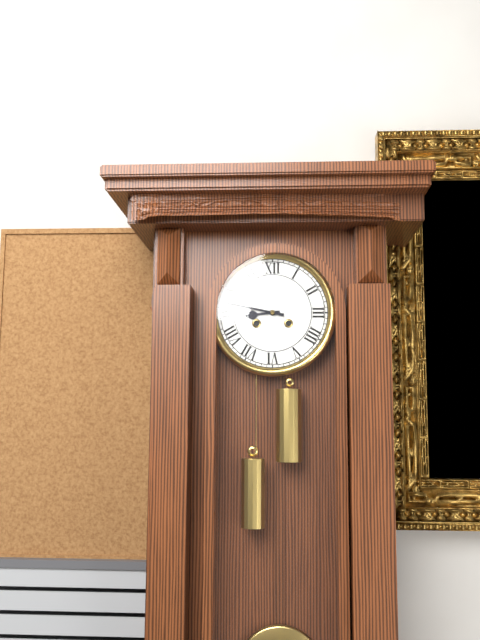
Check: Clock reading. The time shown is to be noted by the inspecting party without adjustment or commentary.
8:47
